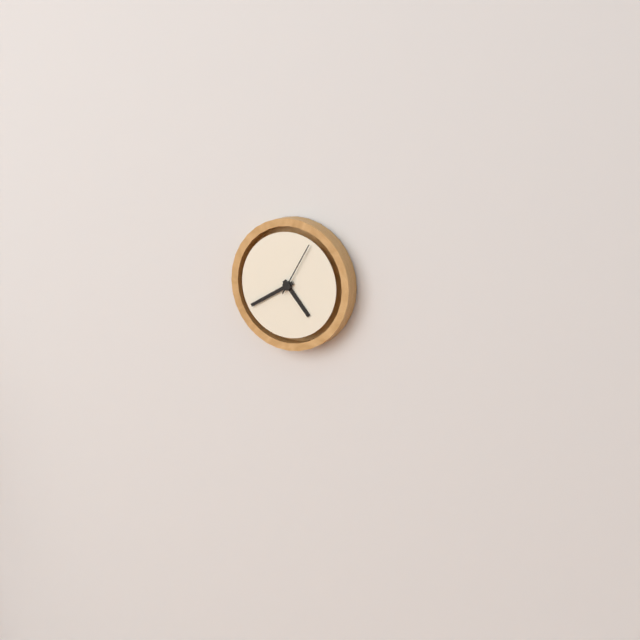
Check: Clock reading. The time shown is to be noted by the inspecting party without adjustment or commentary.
4:40:05
